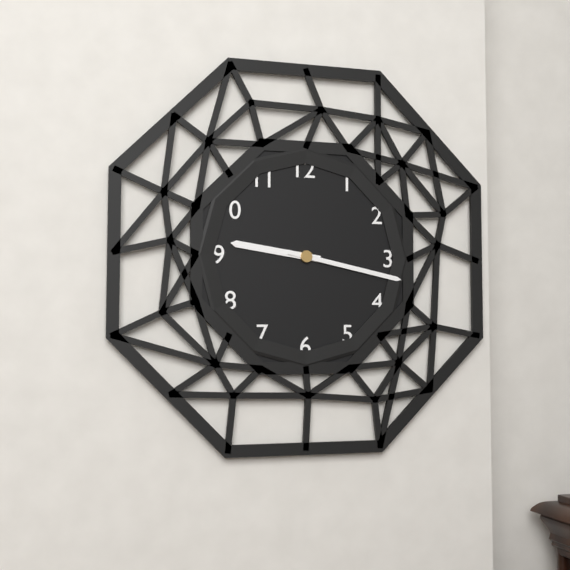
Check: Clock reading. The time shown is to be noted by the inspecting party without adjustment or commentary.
9:17
